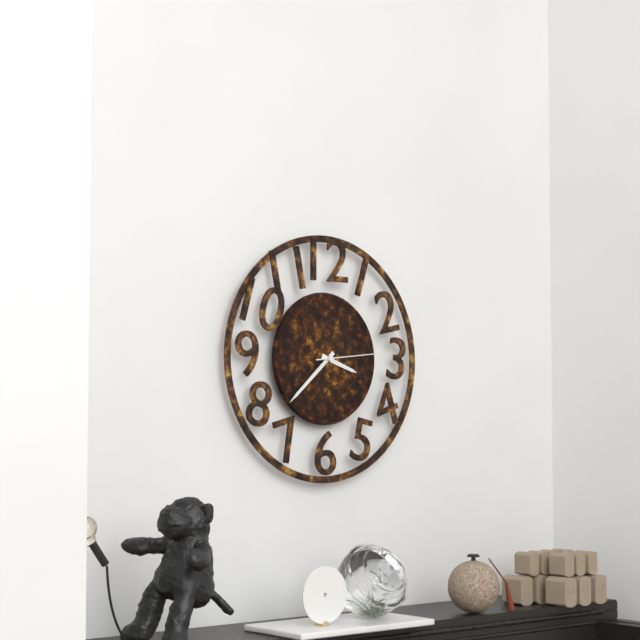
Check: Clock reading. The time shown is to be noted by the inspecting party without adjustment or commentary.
3:38:14
